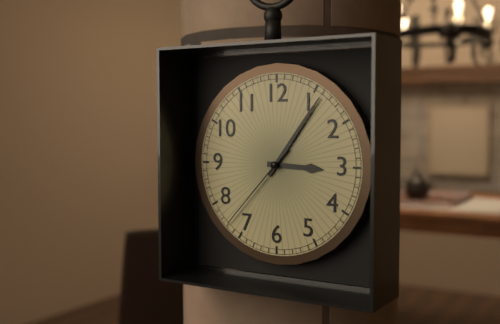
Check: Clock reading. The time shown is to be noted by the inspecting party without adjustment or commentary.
3:06:37
